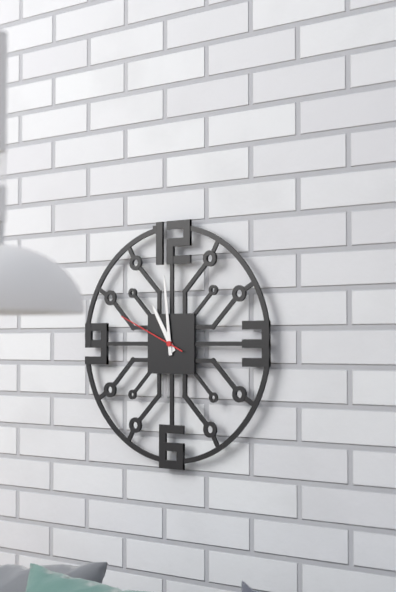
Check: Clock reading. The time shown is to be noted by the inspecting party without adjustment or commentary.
10:59:49
